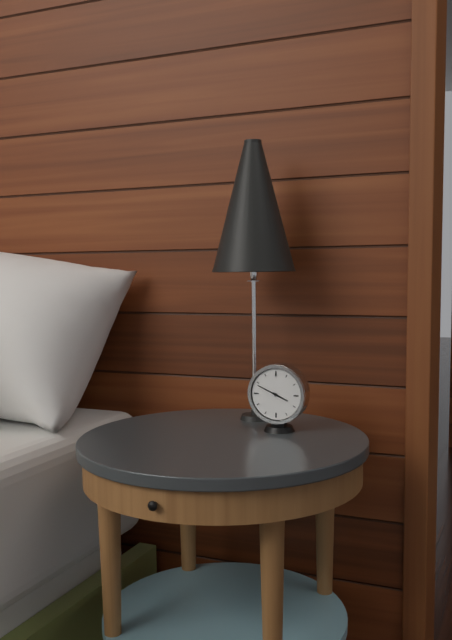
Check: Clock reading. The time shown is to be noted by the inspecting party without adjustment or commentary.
3:49
